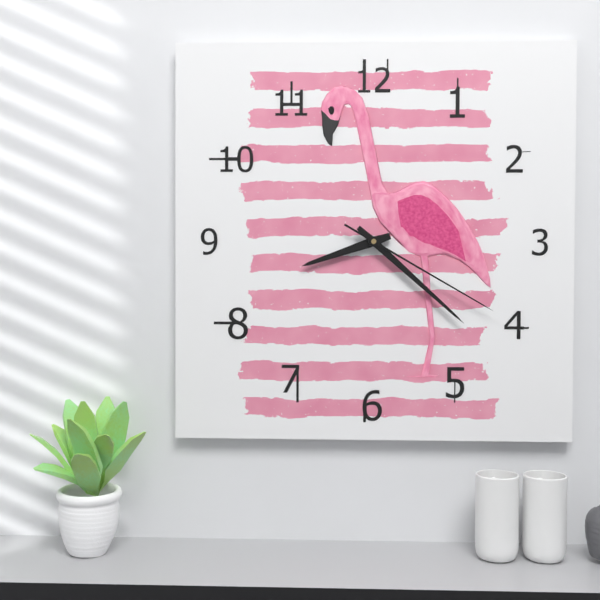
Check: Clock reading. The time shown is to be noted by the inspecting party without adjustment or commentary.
8:22:20
